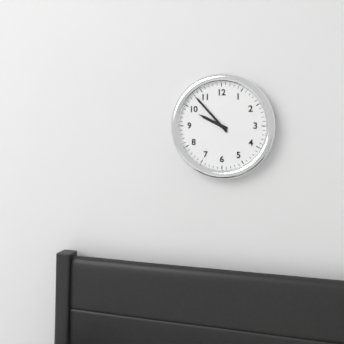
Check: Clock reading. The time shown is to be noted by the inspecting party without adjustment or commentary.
9:53
